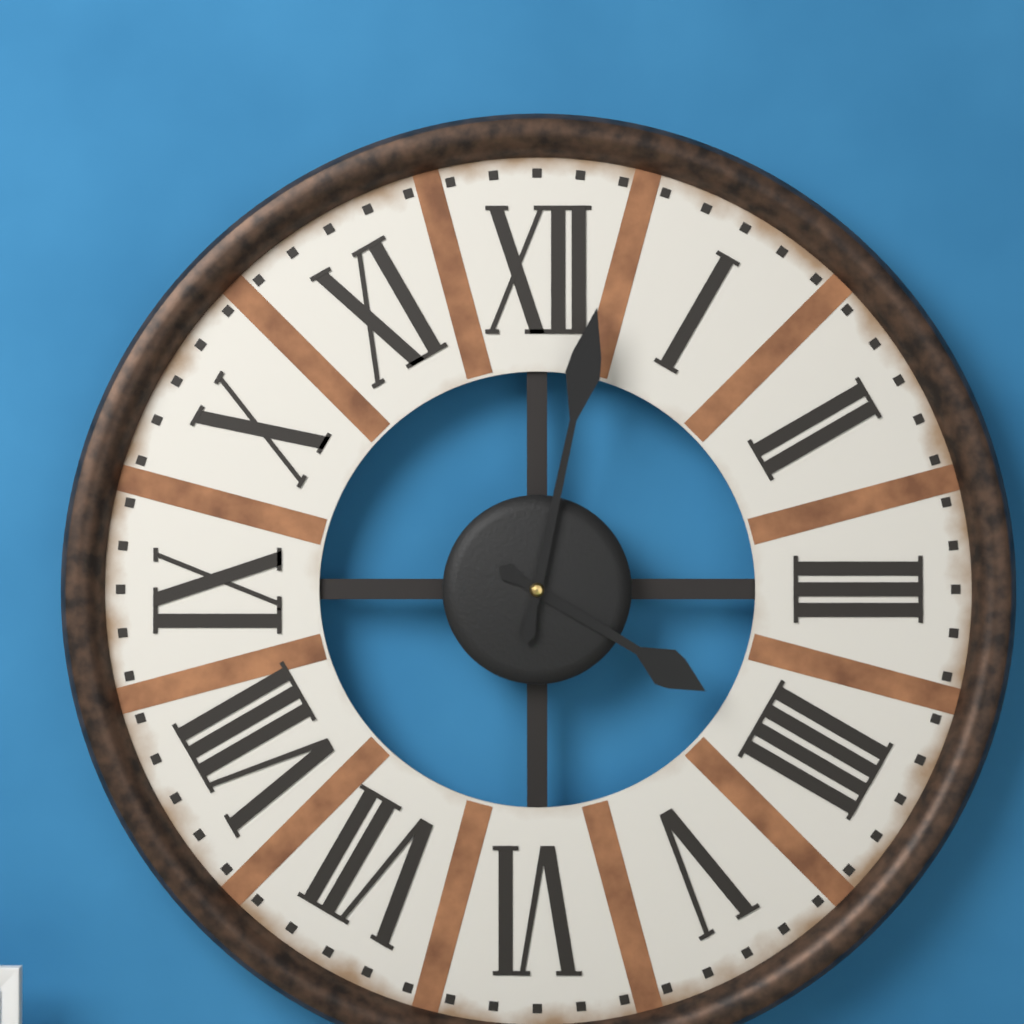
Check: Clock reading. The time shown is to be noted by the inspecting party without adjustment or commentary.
4:02
